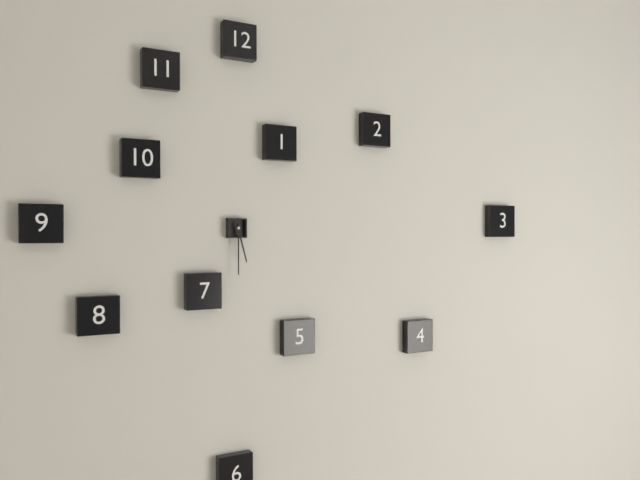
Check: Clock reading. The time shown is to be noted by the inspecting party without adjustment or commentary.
5:30
